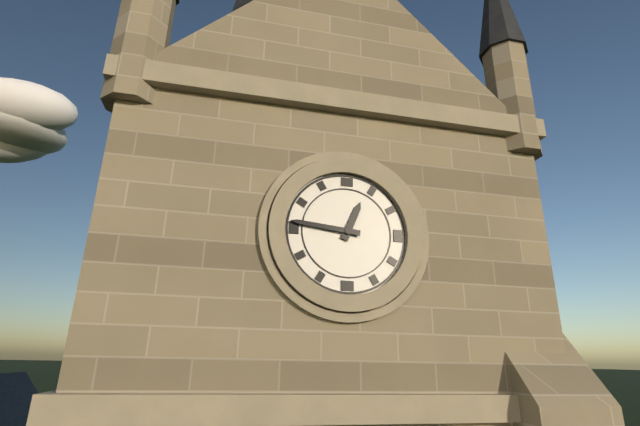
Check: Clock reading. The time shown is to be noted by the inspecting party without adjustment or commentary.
12:46
